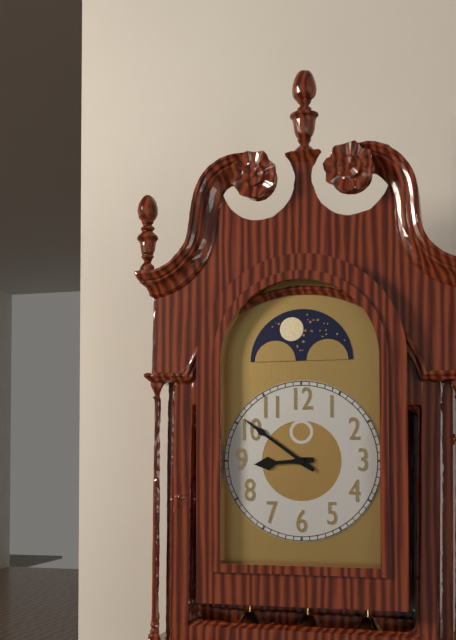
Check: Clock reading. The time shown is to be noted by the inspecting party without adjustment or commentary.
8:51
